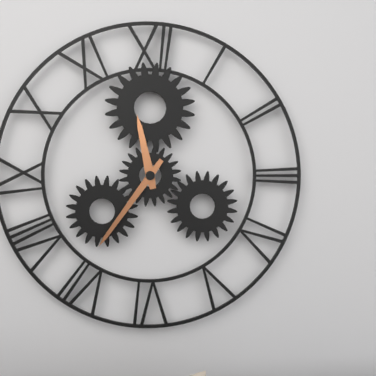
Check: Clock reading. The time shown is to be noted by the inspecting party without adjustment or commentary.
11:36
